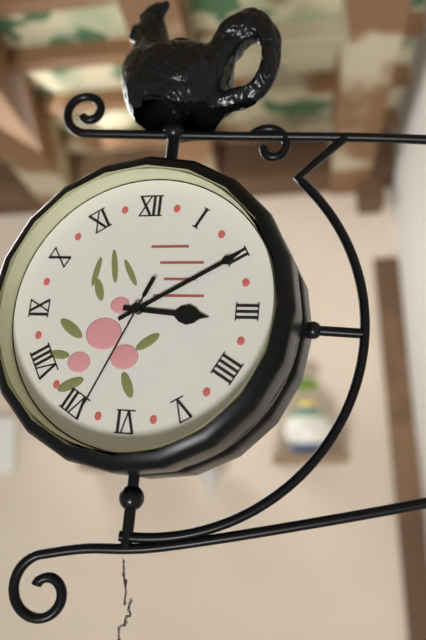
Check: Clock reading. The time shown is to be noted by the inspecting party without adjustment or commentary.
3:10:34
